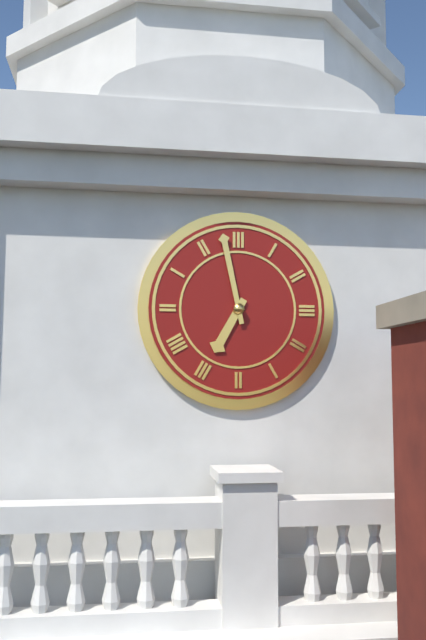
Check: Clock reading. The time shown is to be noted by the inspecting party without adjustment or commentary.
6:58
